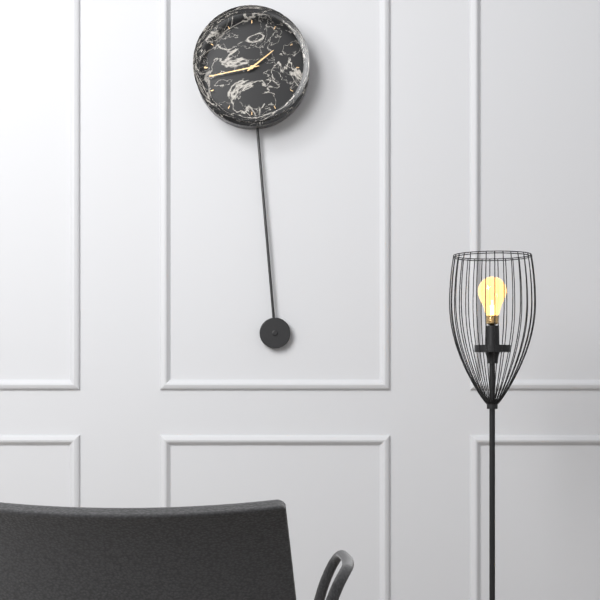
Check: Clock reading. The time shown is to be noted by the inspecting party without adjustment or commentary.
1:43
